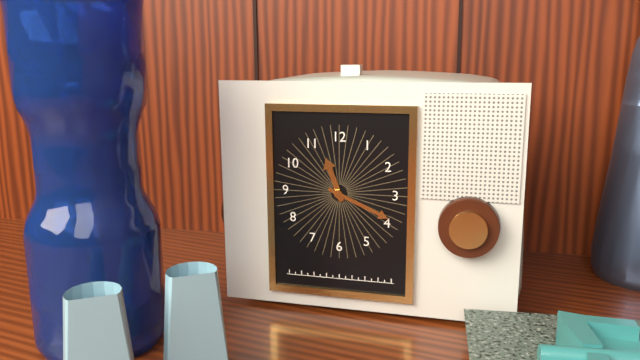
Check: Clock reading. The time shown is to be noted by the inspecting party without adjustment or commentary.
11:19
